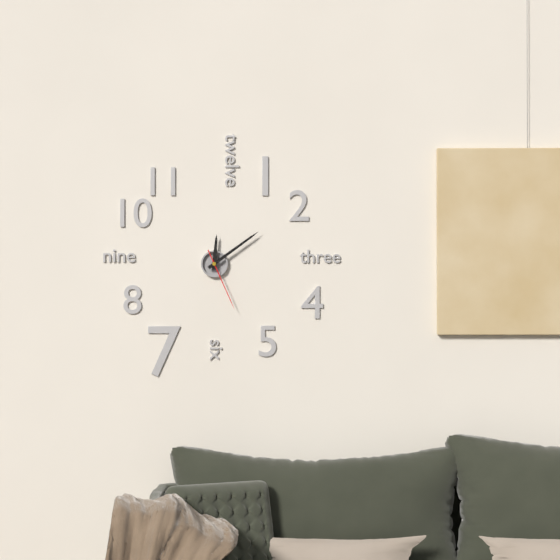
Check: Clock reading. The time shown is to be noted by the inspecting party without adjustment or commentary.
12:09:26
